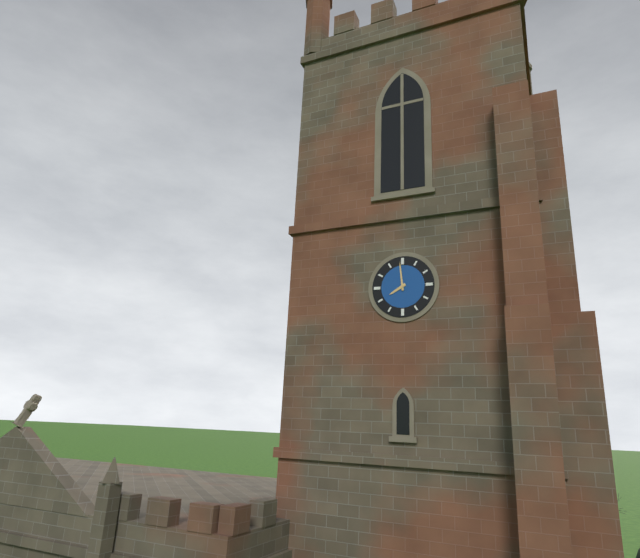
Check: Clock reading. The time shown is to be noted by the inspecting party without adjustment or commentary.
7:59
